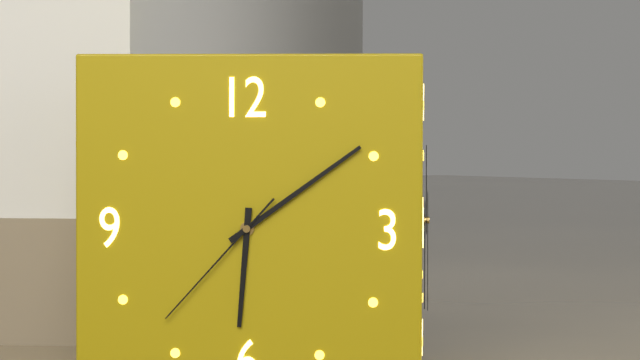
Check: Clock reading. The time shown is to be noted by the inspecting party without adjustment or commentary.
6:09:37
